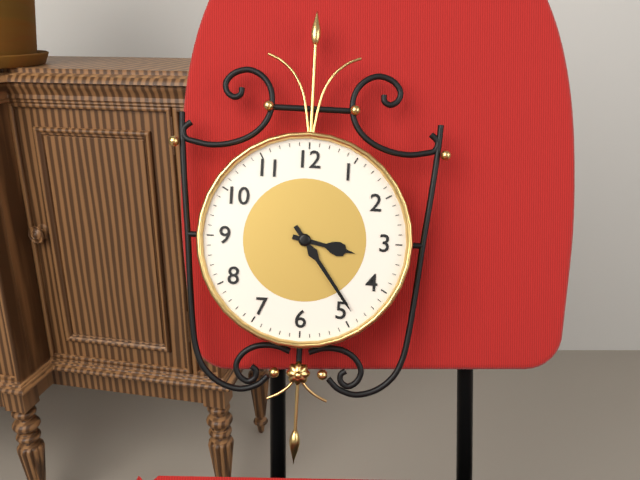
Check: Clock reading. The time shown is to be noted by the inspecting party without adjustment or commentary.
3:24
